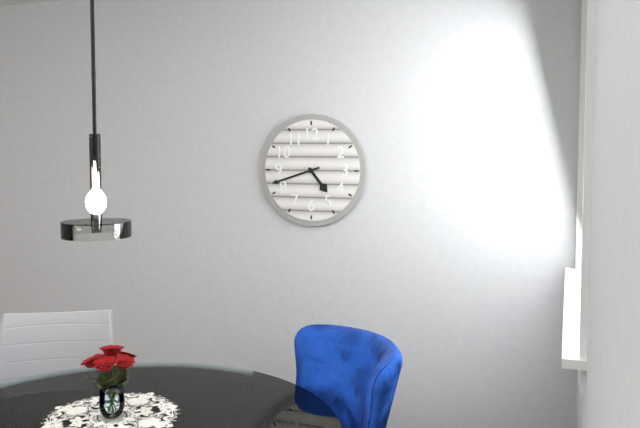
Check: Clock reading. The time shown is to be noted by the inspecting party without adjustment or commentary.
4:42
